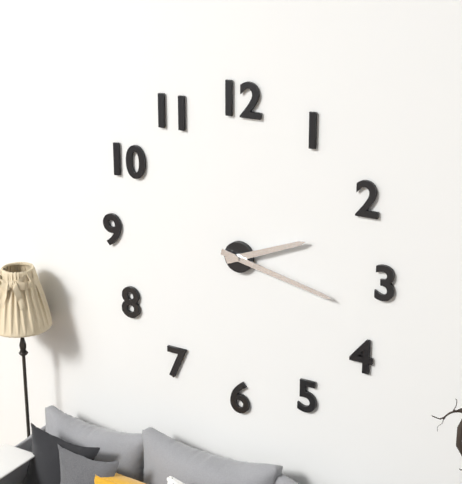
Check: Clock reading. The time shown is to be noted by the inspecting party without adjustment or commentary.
2:17
